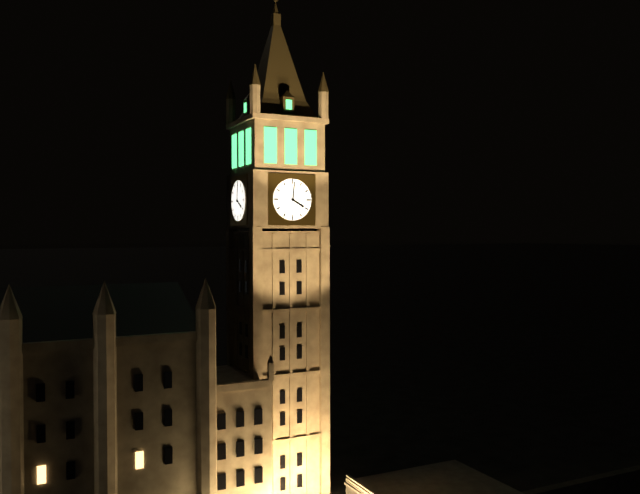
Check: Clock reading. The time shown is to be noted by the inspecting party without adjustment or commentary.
4:01
